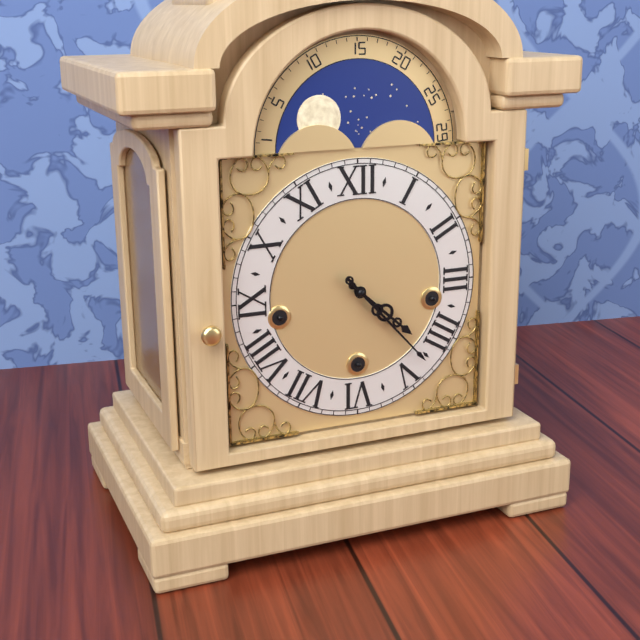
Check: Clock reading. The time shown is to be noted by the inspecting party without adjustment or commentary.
4:23
